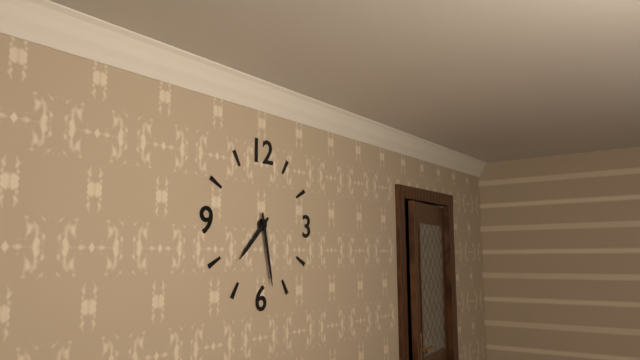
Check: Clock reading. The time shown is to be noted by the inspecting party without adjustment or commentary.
7:28
